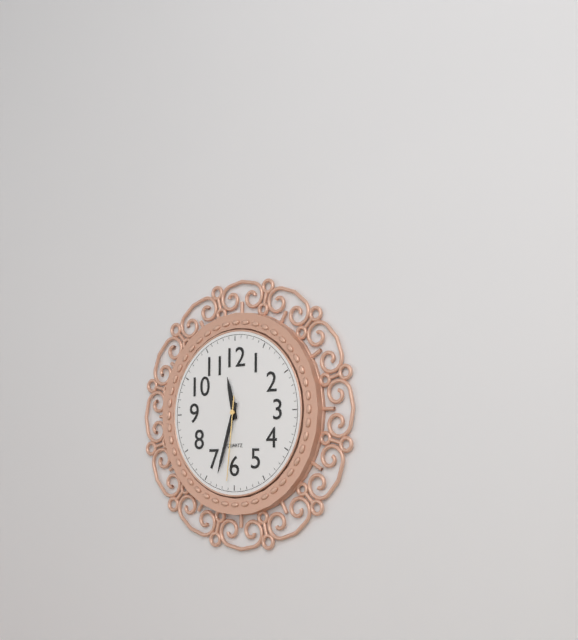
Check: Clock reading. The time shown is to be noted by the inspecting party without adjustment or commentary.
11:33:31
